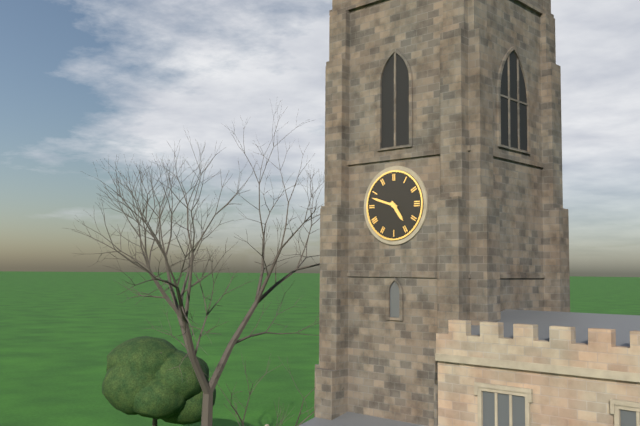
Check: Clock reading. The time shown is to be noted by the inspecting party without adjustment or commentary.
4:48
